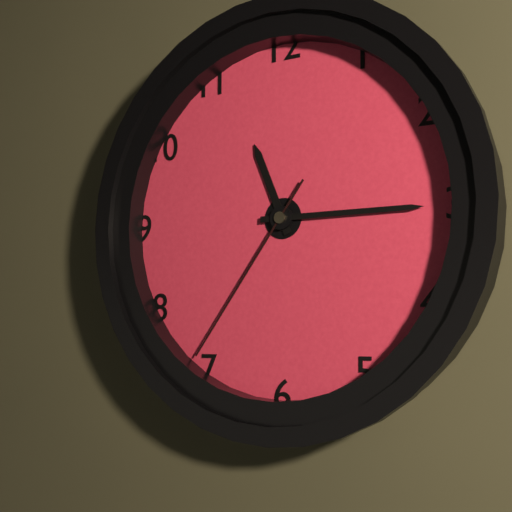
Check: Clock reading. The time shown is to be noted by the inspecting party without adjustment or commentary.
11:15:36
